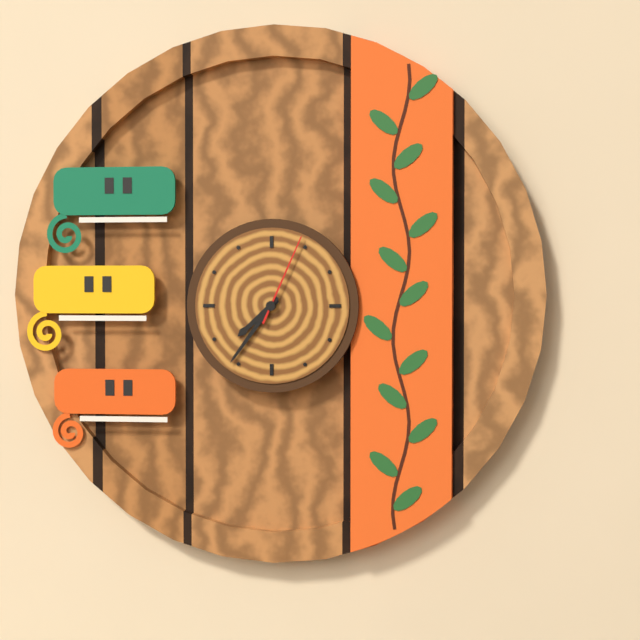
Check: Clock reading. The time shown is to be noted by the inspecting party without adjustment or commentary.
7:36:04
